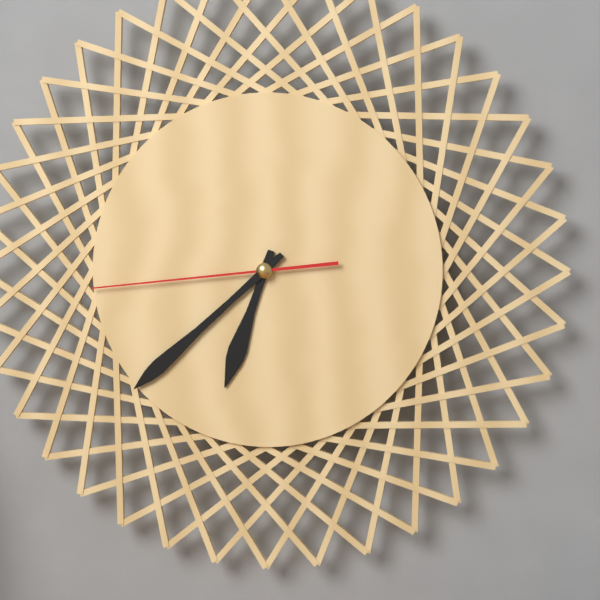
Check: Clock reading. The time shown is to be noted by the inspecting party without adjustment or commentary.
6:38:44
